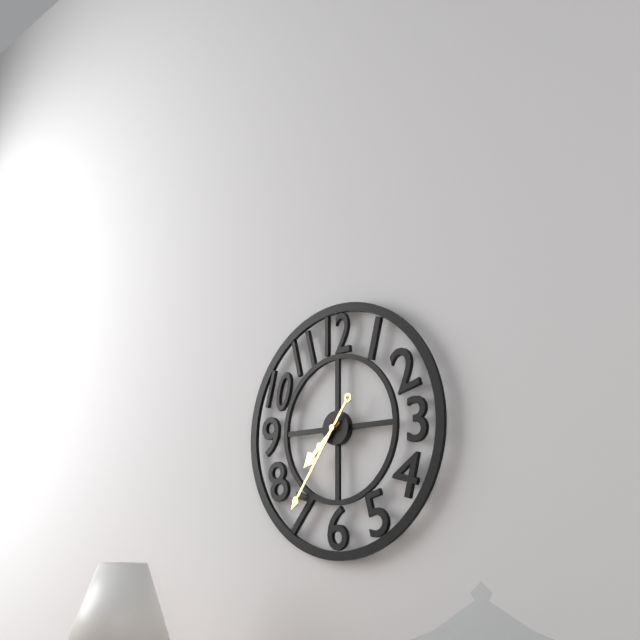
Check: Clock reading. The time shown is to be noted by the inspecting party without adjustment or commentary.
7:36
